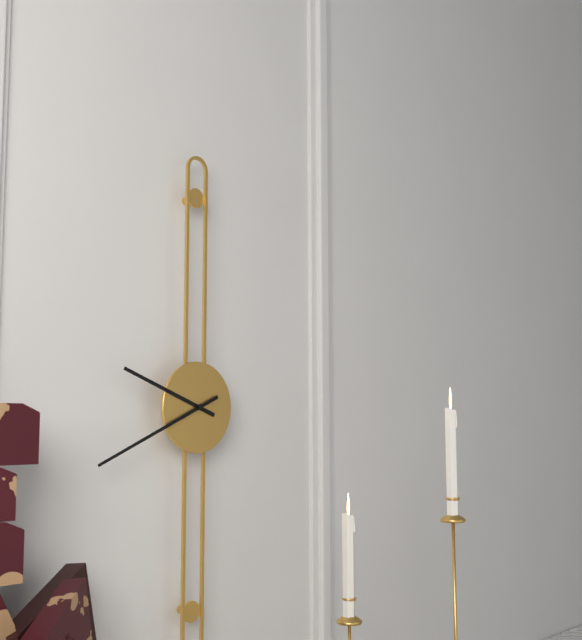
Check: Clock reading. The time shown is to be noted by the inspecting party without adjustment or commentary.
9:41
